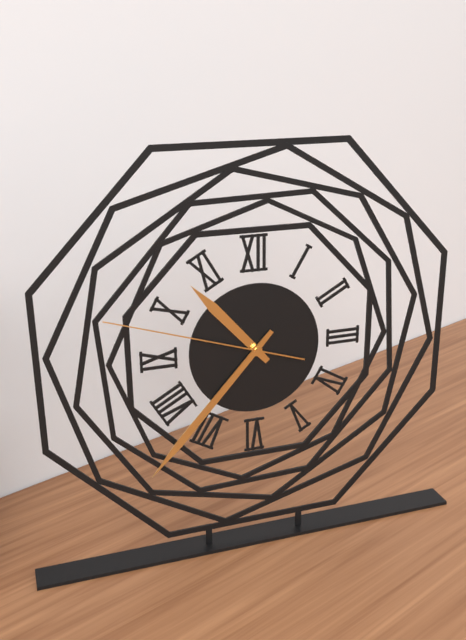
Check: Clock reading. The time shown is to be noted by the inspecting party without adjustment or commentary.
10:37:48
